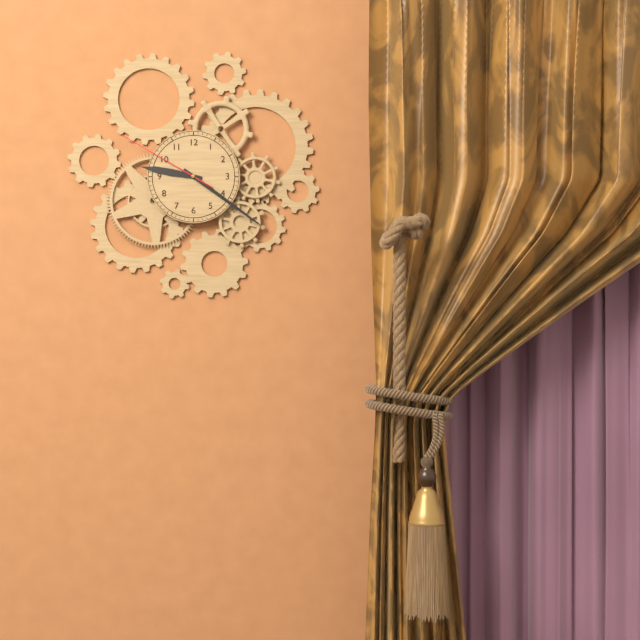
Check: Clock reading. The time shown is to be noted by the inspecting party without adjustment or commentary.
9:21:50
